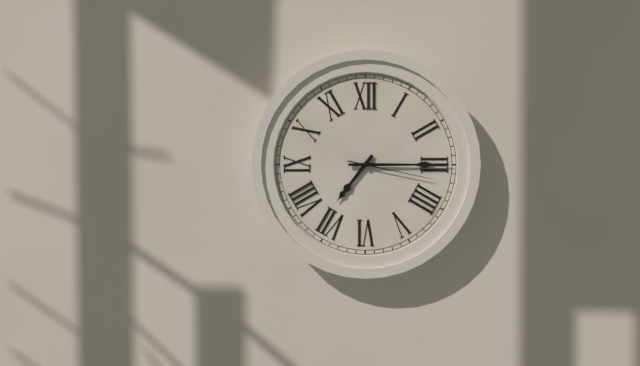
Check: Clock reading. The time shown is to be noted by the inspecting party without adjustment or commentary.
7:15:17
